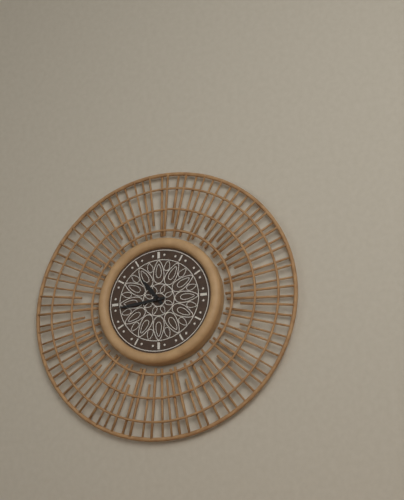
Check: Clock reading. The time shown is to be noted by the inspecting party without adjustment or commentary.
10:44
